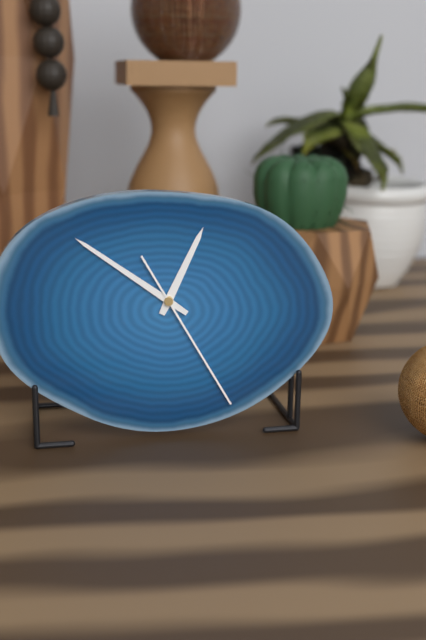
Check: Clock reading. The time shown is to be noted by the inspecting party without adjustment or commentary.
12:51:25
